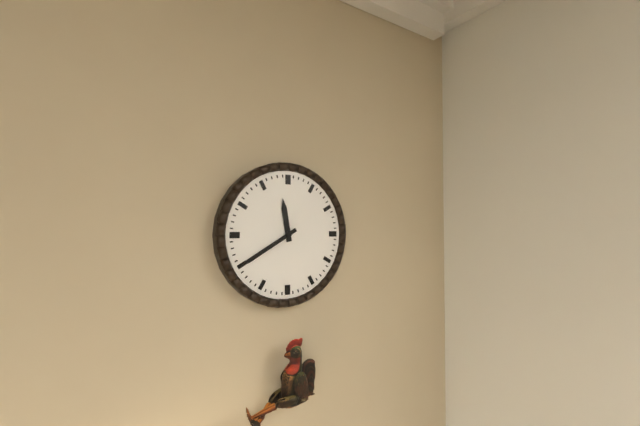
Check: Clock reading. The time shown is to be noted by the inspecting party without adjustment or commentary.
11:40
